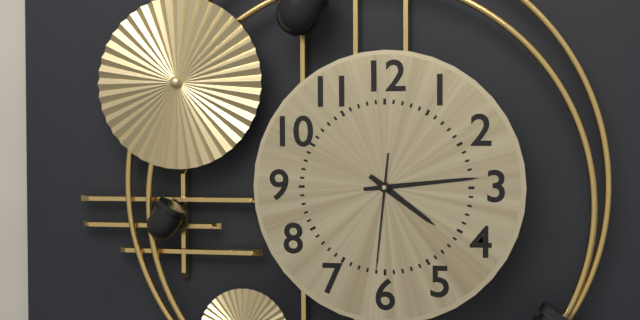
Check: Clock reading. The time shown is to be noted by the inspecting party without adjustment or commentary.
4:14:31
